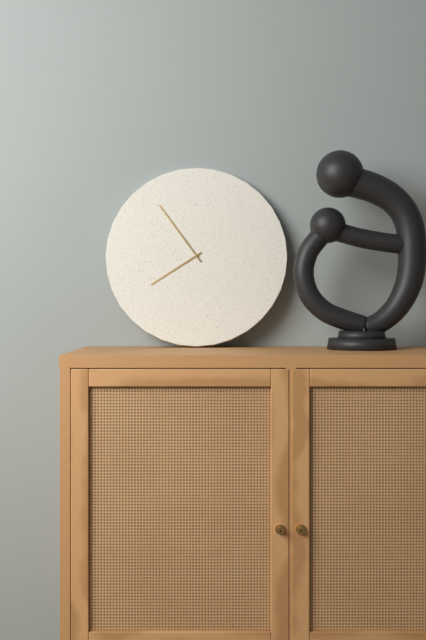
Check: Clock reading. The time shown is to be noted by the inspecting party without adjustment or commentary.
7:54
